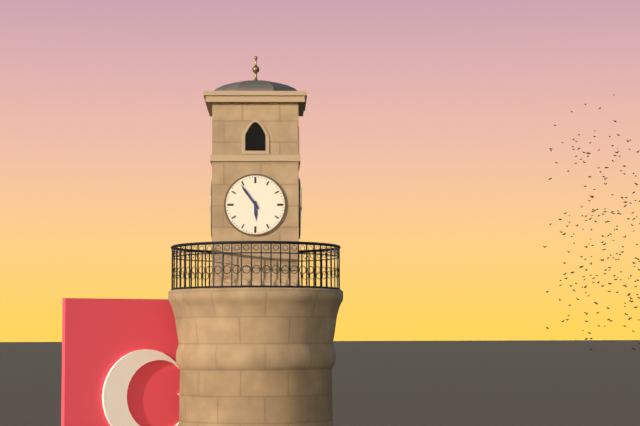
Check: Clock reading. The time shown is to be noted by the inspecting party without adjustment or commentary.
5:54
